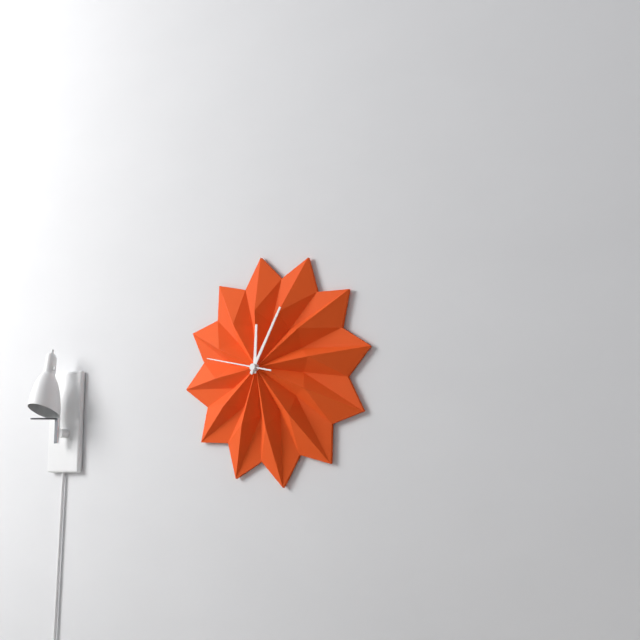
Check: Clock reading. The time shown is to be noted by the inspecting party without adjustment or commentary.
12:05:47
